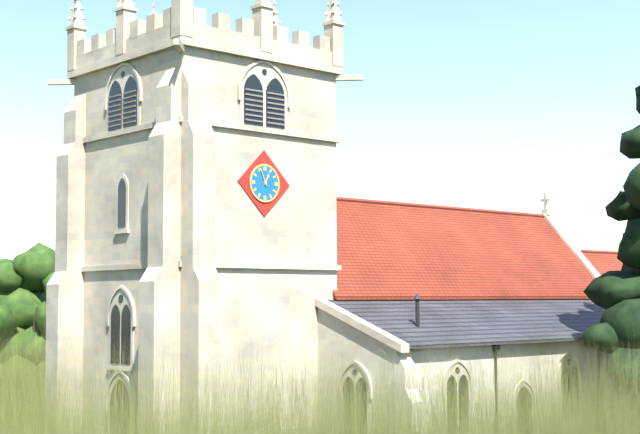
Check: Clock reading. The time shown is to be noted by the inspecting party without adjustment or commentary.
12:56
